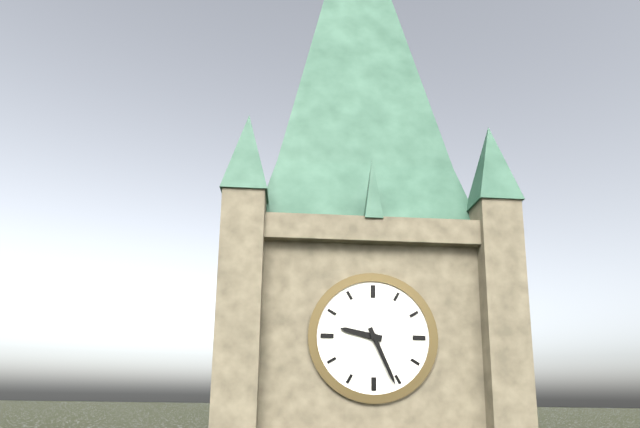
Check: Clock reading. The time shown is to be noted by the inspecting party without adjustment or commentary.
9:26
